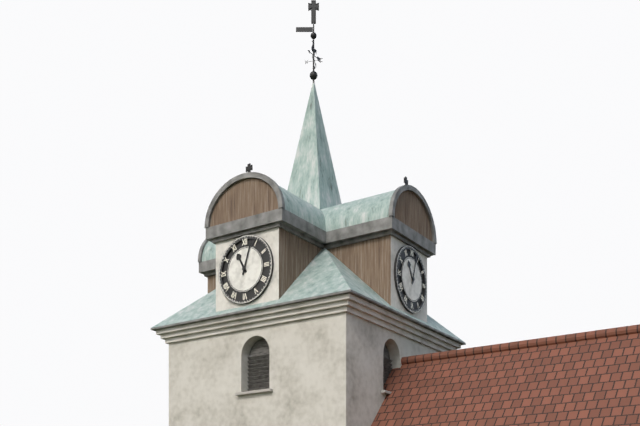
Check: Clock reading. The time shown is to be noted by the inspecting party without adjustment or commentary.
11:03
